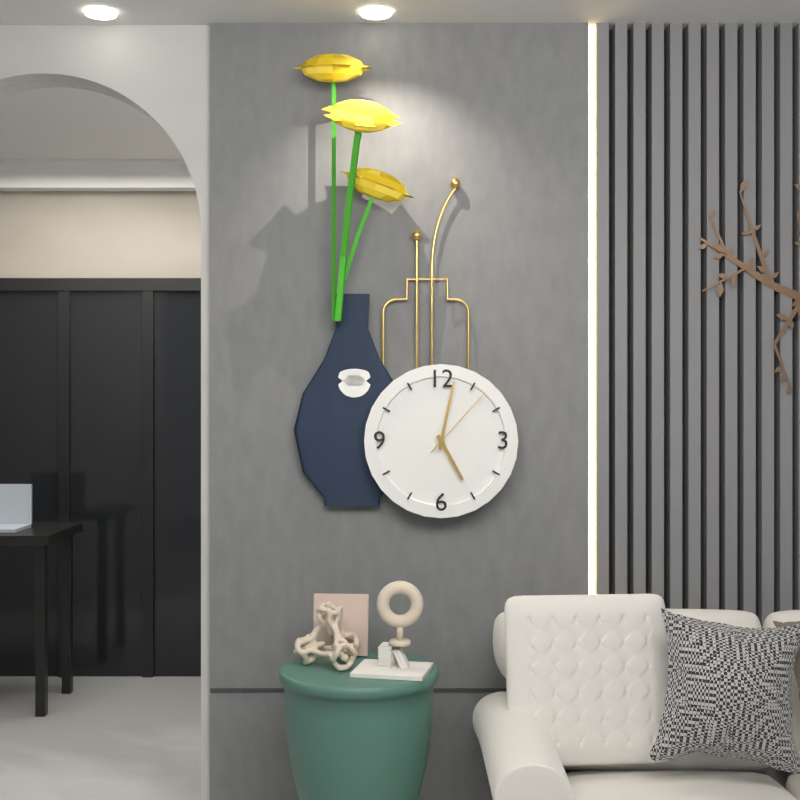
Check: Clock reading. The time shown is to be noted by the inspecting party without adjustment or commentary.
5:02:07
